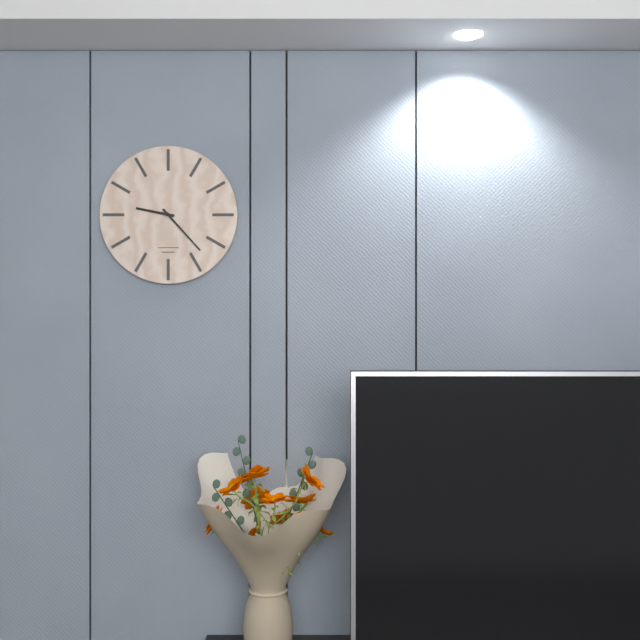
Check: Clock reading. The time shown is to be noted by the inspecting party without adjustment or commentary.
9:23
